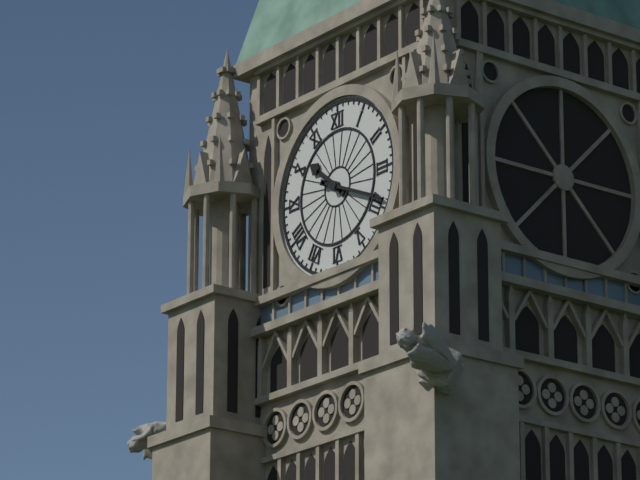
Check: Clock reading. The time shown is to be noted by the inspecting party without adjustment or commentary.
10:19
